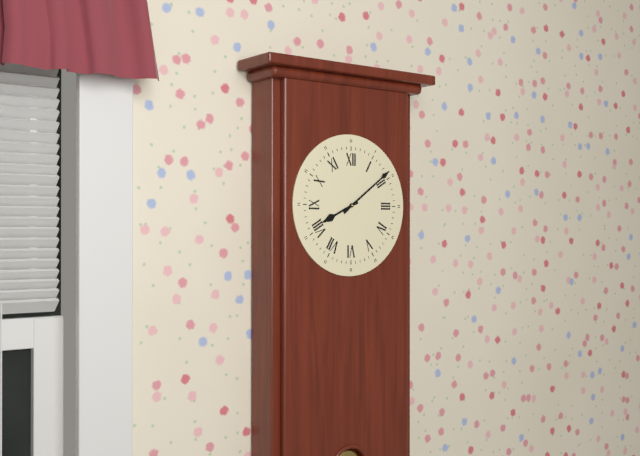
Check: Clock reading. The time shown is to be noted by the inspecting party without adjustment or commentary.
8:09
